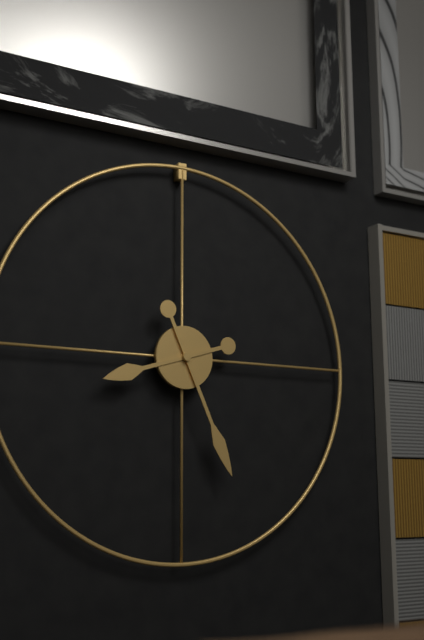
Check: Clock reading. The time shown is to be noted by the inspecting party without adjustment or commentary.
8:26
